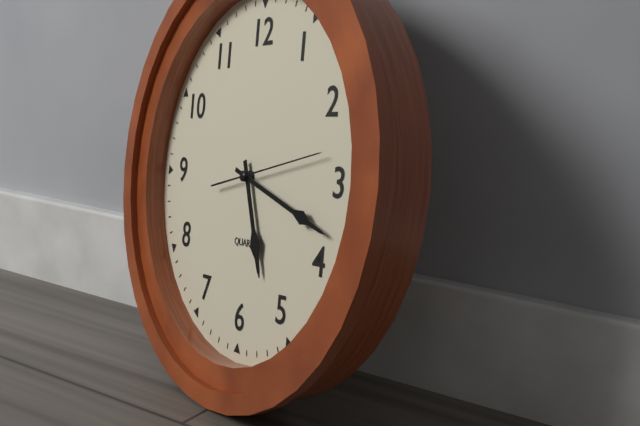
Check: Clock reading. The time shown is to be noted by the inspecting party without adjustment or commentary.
5:18:13
